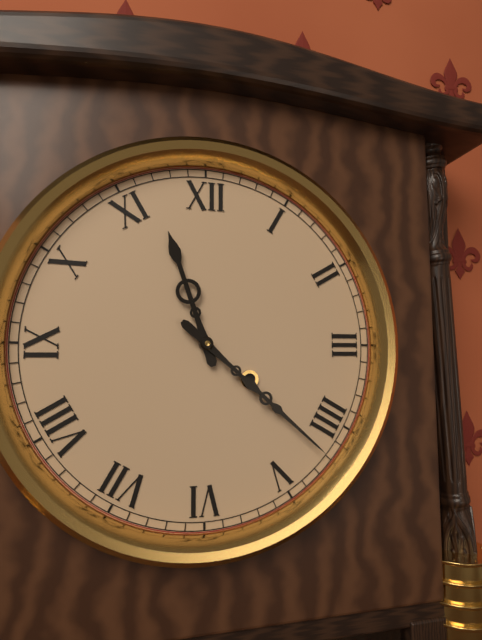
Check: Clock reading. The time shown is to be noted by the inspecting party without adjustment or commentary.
11:22
